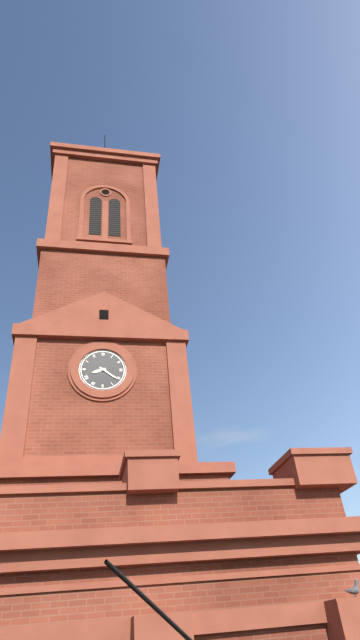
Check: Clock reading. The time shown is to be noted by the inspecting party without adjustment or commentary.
8:21
